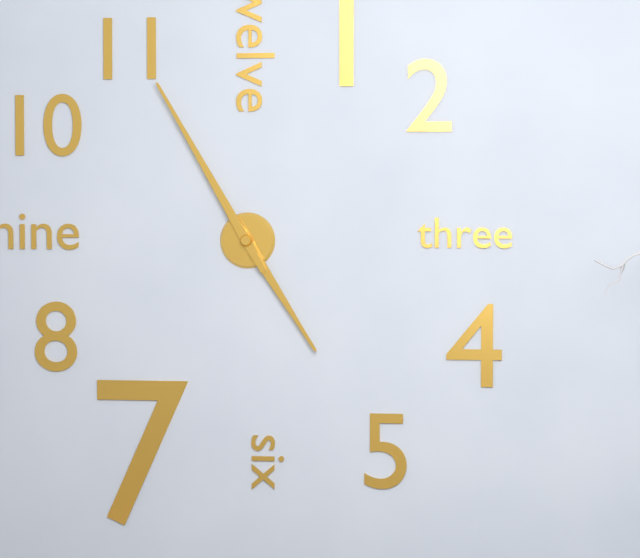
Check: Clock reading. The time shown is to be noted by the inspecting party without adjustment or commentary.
4:55
